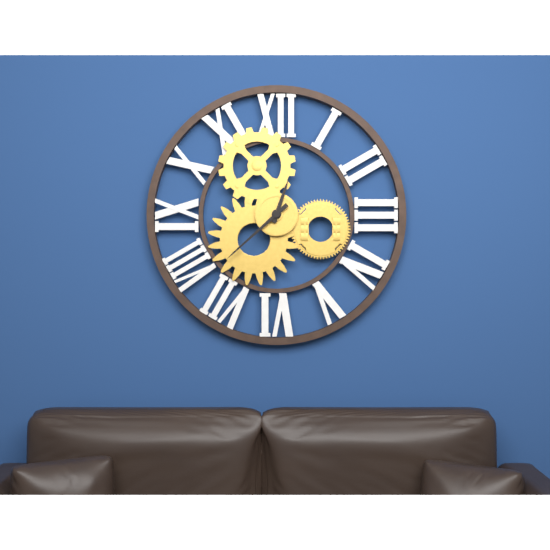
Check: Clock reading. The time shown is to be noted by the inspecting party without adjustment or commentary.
12:38
